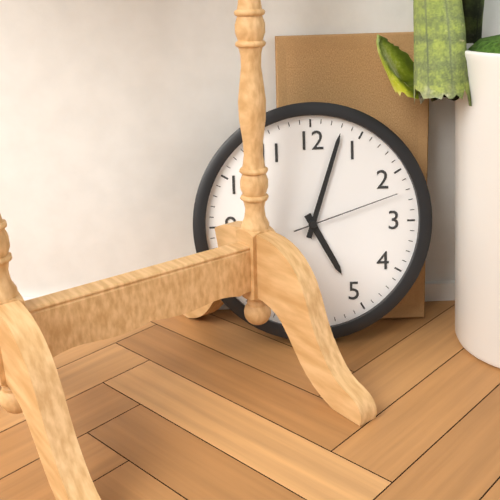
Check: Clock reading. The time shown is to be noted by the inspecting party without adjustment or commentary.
5:03:12
